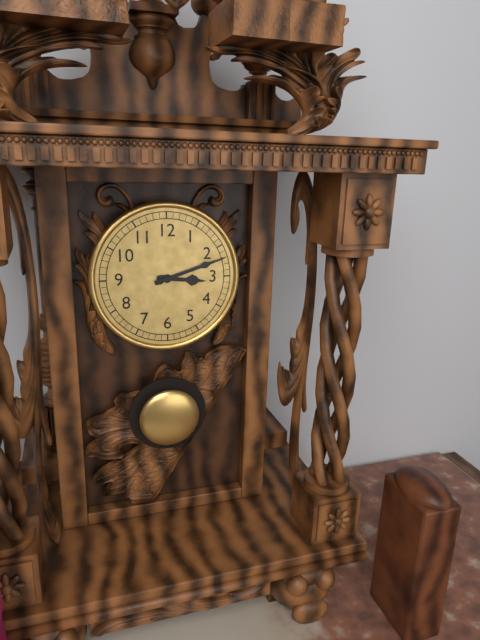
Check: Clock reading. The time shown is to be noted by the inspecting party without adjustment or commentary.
3:12
